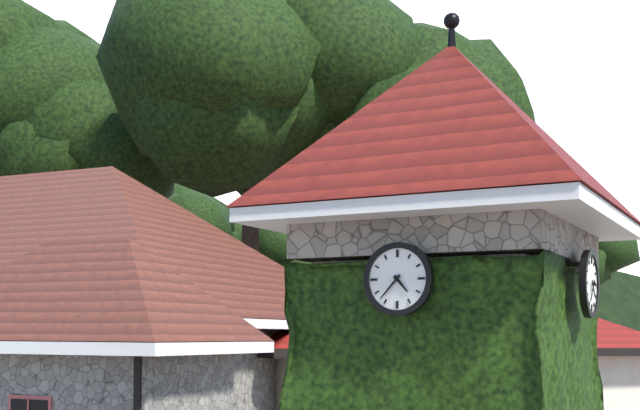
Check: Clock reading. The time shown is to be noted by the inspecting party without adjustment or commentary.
4:37
